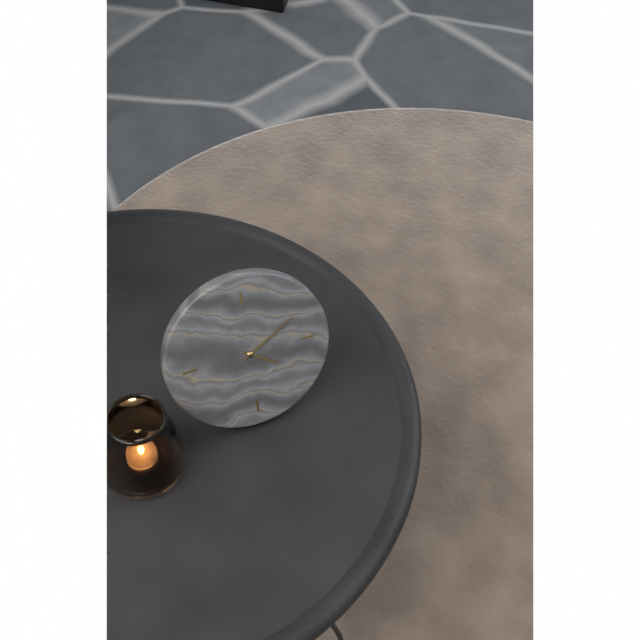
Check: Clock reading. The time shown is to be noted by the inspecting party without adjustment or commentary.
4:10
